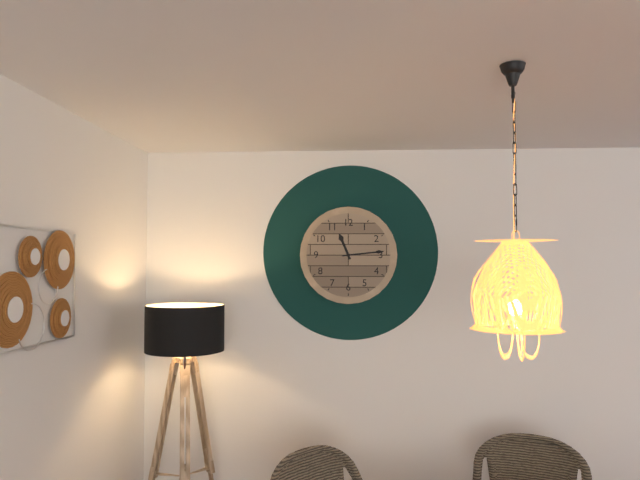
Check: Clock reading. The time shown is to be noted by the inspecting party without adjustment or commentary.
11:14
